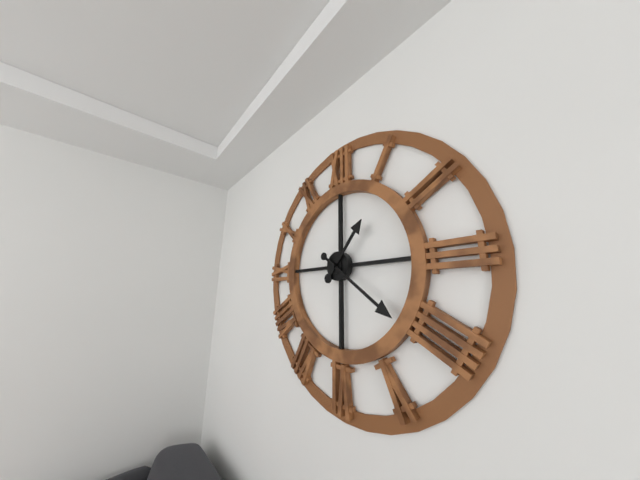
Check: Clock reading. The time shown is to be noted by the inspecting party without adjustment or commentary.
1:21
